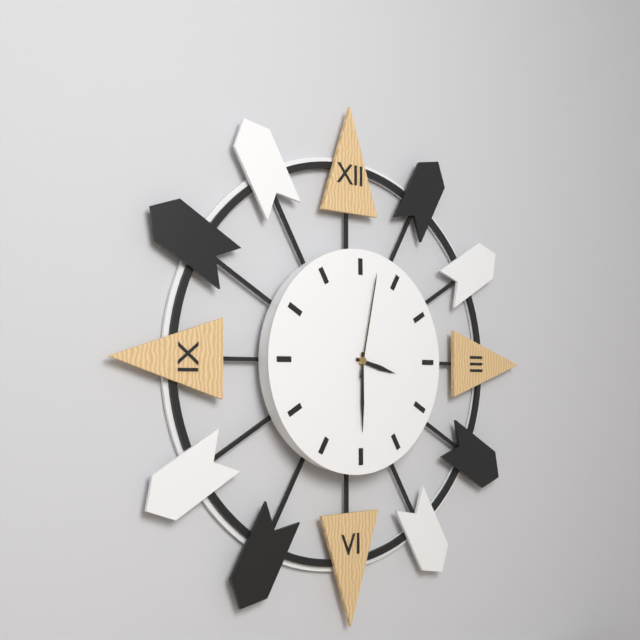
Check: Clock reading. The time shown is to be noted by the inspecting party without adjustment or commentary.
3:30:02
